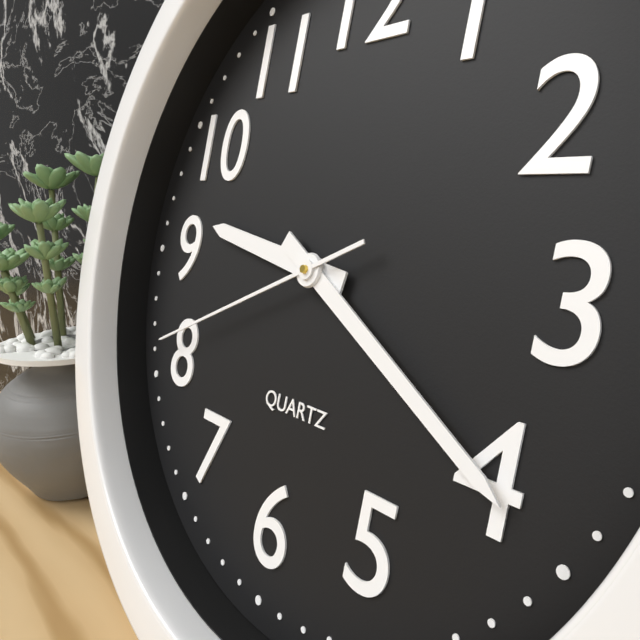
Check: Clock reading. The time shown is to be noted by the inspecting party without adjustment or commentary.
9:20:41
